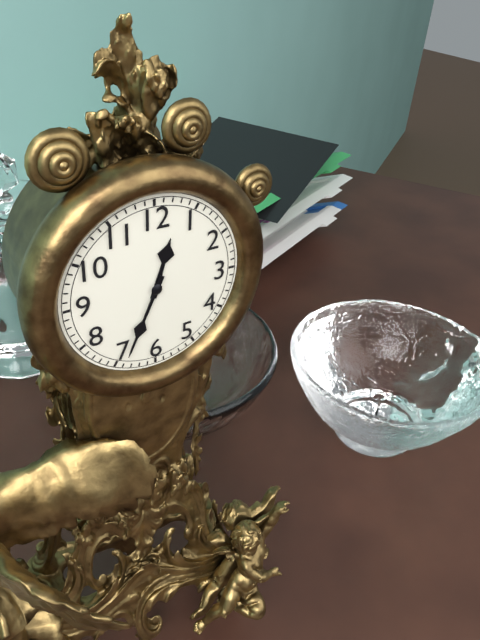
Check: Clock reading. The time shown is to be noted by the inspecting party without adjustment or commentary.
12:34
